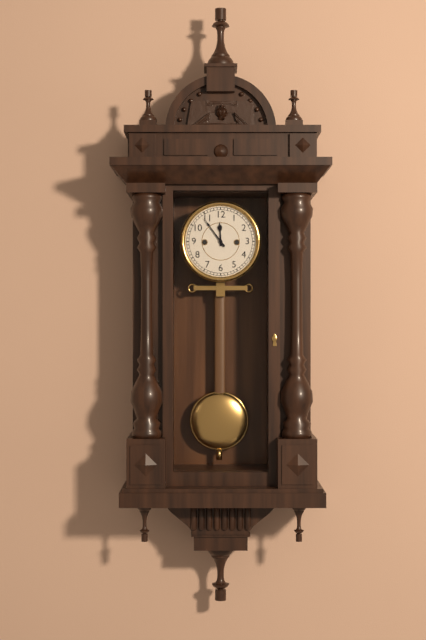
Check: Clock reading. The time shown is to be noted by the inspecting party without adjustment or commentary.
11:54
